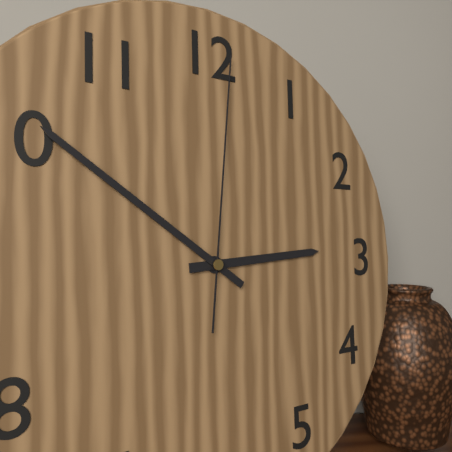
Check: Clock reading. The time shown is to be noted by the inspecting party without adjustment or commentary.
2:51:01
